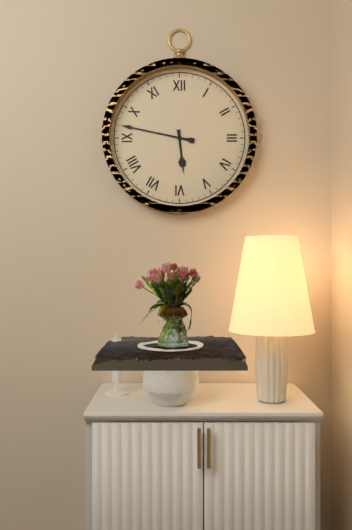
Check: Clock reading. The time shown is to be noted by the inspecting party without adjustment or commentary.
5:47
